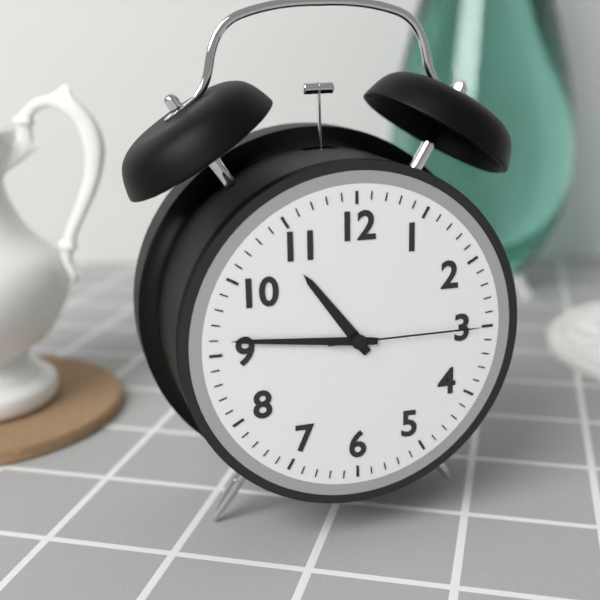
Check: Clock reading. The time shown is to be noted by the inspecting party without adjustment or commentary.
10:46:15
